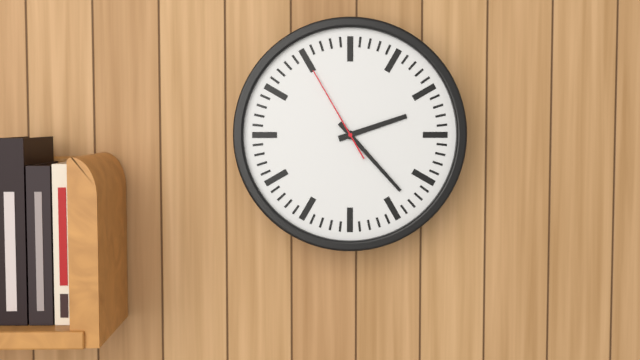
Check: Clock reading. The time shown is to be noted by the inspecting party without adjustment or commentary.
2:23:55
